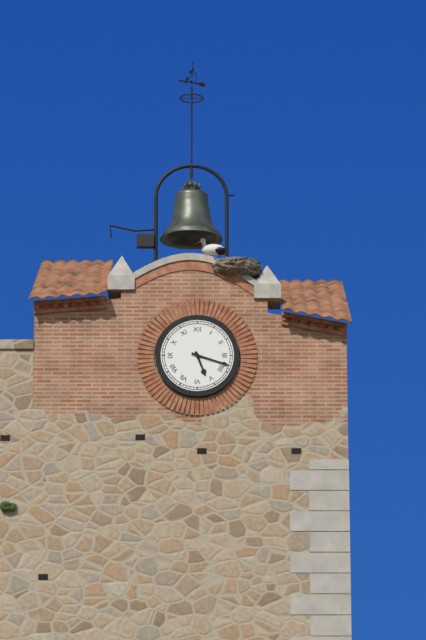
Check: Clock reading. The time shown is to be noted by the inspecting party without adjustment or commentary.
5:18
